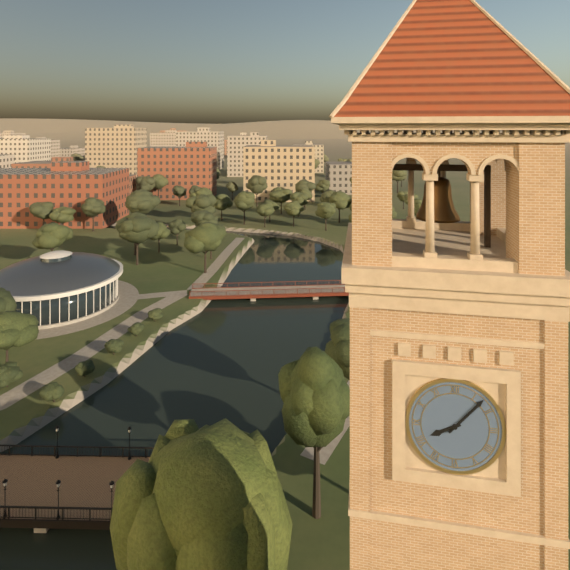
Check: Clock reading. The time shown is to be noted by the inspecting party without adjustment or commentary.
8:07
